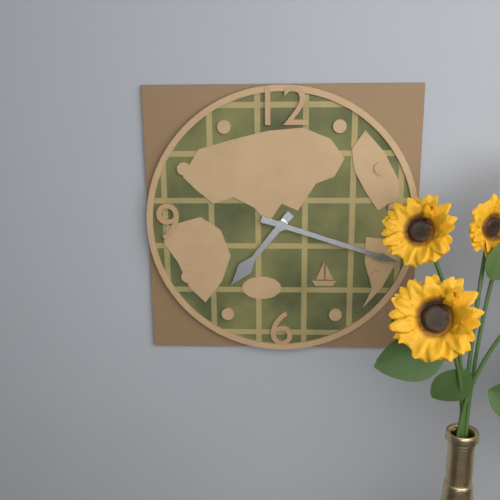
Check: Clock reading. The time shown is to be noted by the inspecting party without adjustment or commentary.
7:18
